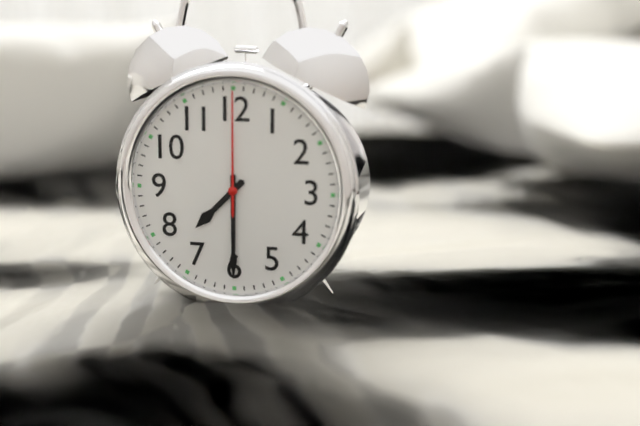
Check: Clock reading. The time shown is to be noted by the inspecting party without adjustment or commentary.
7:30:00
